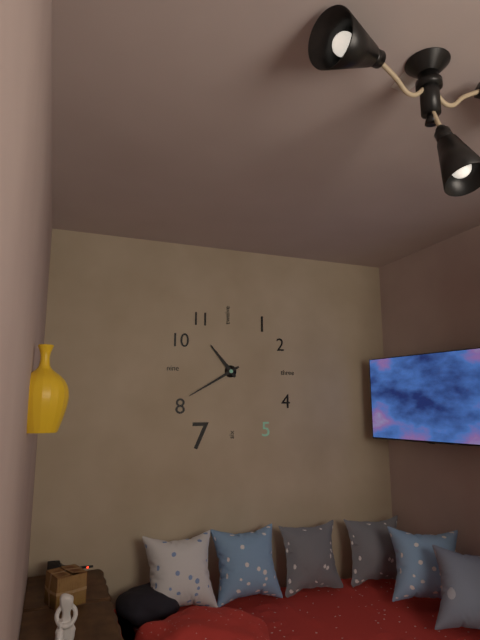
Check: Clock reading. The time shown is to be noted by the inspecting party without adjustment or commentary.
10:40
